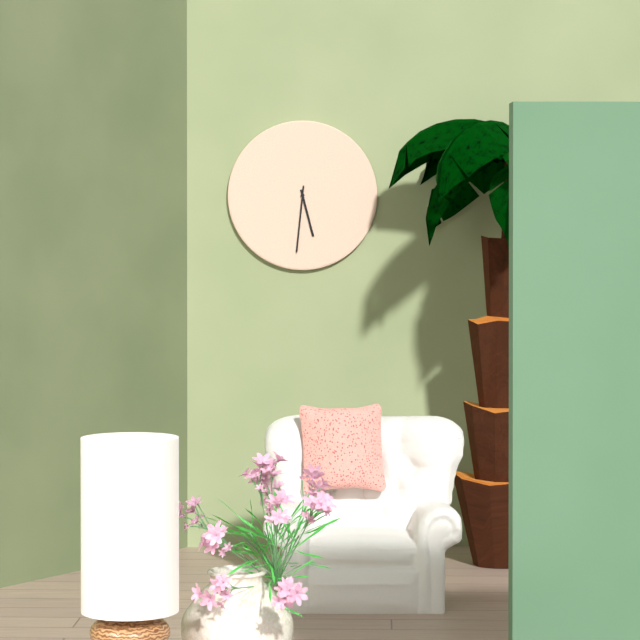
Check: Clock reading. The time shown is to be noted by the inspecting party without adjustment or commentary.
5:31
